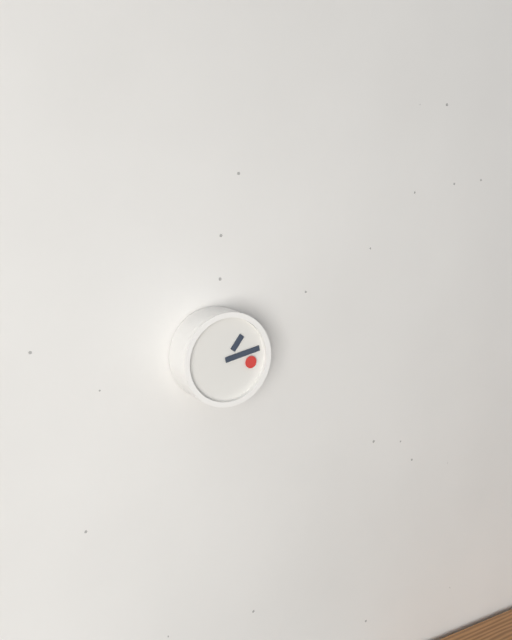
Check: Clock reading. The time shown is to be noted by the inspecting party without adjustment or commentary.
1:13
